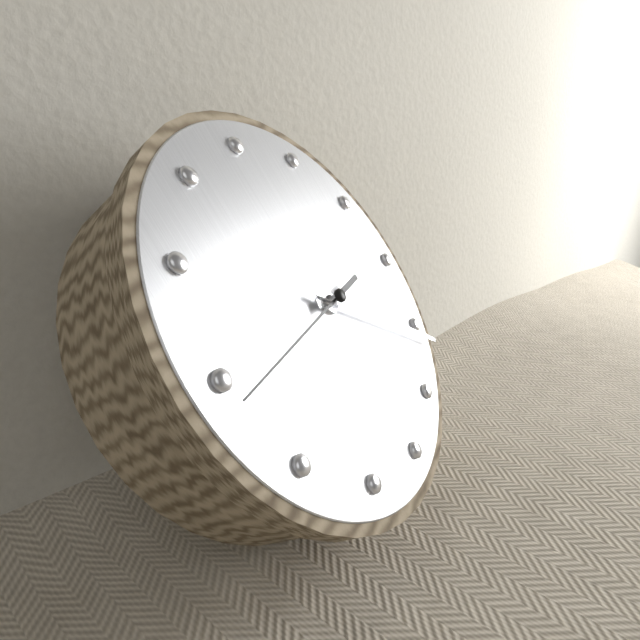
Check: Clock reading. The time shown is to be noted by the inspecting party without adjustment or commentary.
3:21:44
